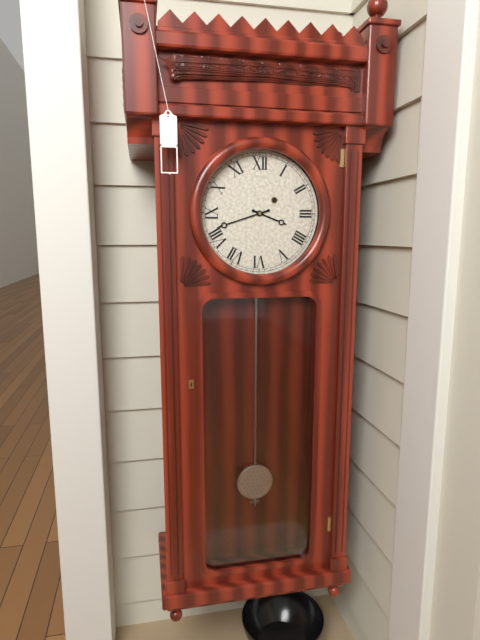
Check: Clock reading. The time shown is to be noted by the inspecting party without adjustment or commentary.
3:42
